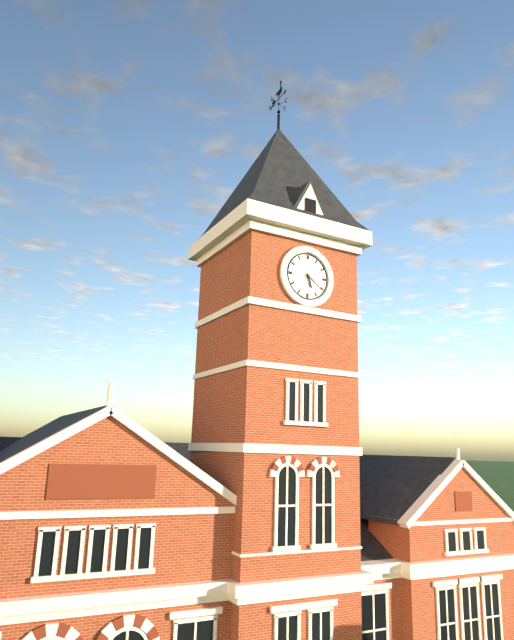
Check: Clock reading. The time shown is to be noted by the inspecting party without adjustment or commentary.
5:21
